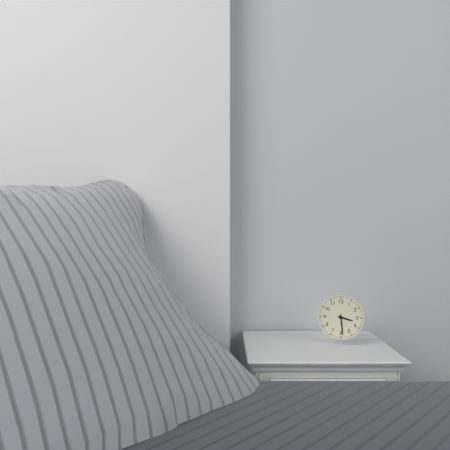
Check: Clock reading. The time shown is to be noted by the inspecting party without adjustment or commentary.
3:29
